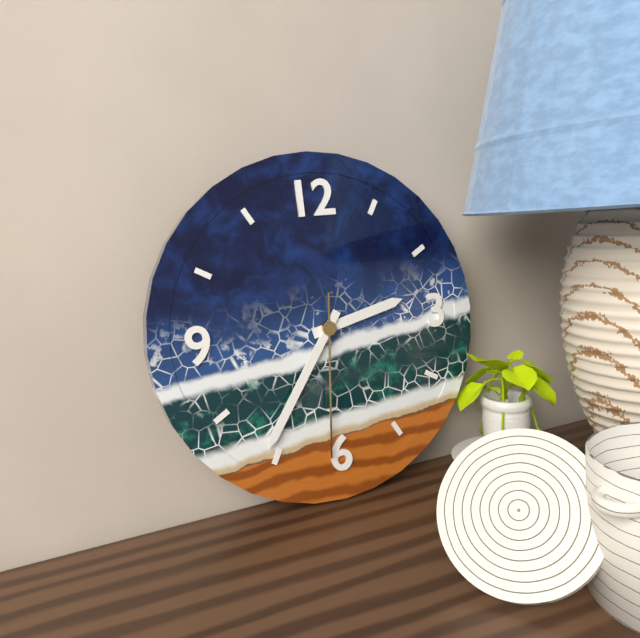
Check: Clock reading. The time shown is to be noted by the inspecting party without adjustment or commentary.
2:36:31
